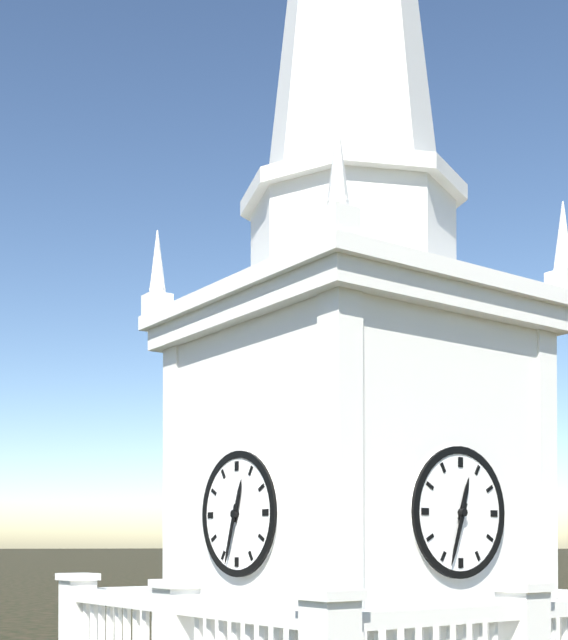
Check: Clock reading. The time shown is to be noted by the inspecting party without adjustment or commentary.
12:33
